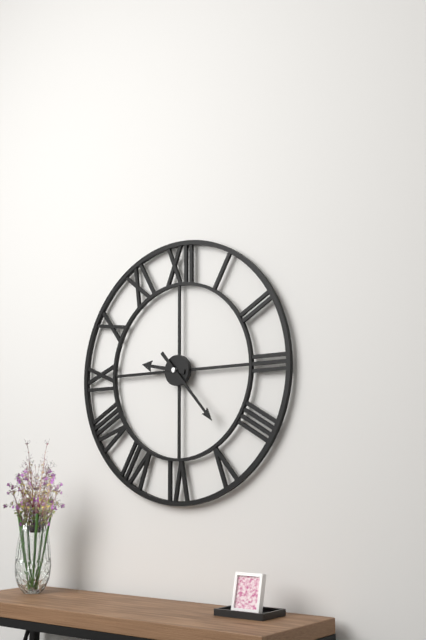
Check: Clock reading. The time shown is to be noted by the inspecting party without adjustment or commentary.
9:23
